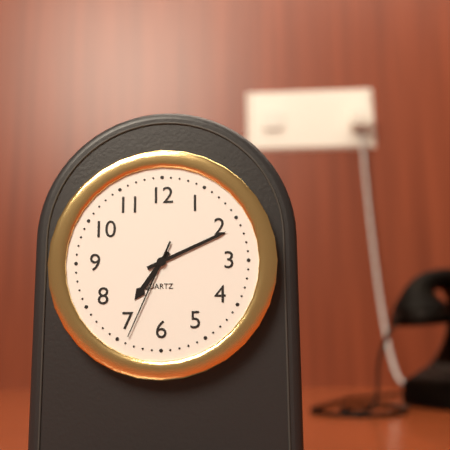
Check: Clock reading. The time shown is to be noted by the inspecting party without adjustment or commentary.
7:11:34
